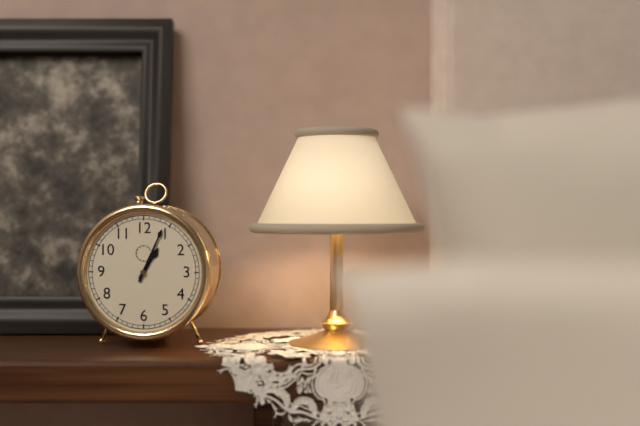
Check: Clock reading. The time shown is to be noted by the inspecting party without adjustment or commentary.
1:04
